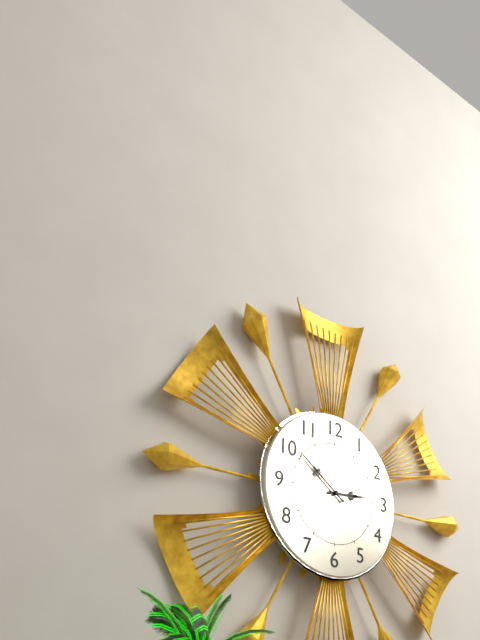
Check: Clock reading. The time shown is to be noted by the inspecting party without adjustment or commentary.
2:51
